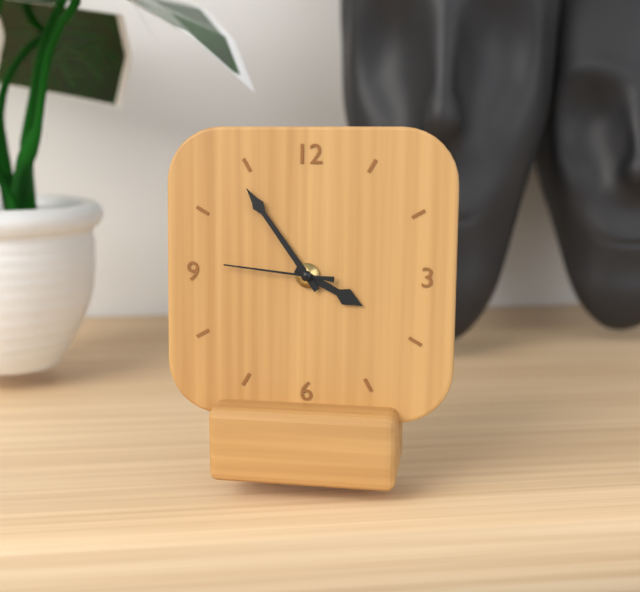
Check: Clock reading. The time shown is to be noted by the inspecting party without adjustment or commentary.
3:54:46
